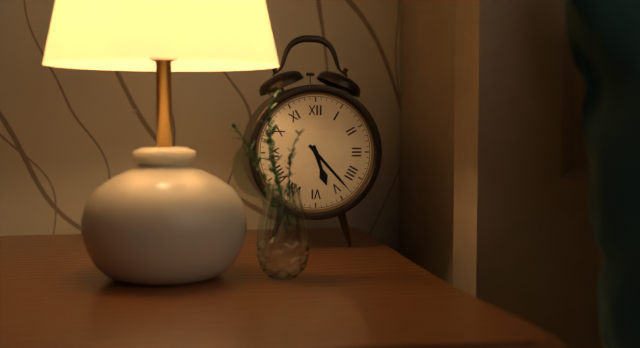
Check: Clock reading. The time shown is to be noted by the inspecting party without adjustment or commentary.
5:23
